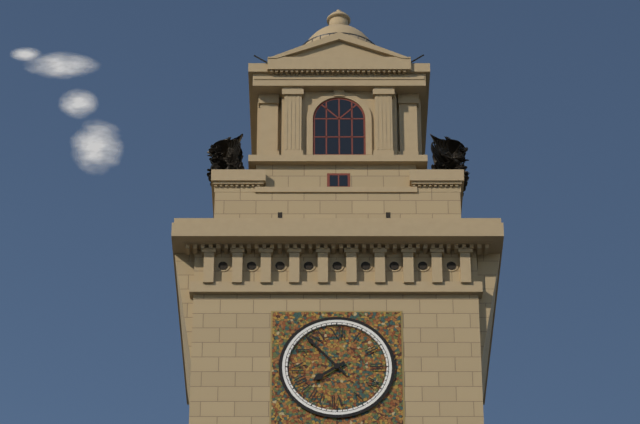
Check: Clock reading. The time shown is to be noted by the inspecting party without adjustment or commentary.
7:53
